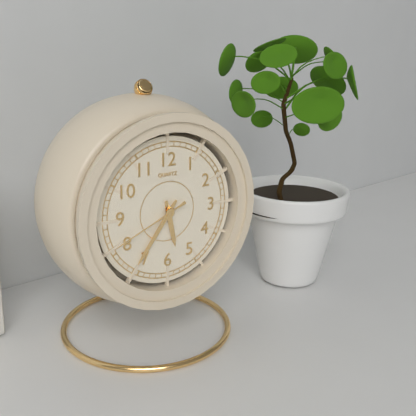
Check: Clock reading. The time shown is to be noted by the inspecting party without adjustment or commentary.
5:36:41
